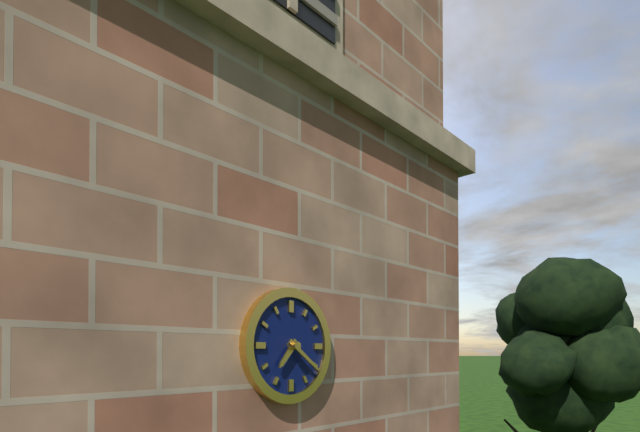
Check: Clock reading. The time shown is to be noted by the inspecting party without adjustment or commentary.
7:21
